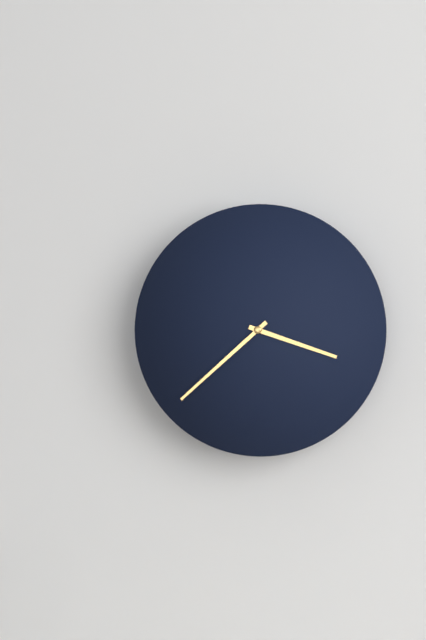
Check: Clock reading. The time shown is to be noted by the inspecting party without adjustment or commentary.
3:38
